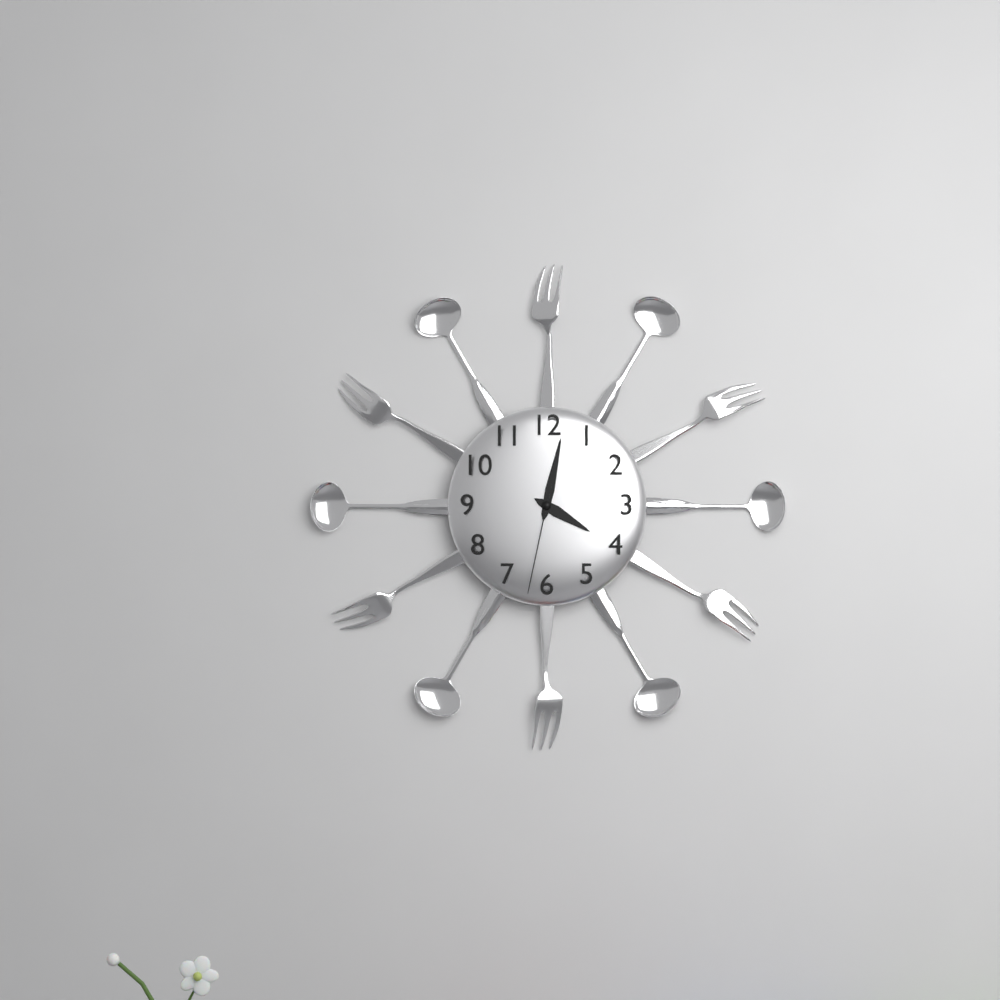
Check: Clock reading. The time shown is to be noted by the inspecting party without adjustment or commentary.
4:02:32
